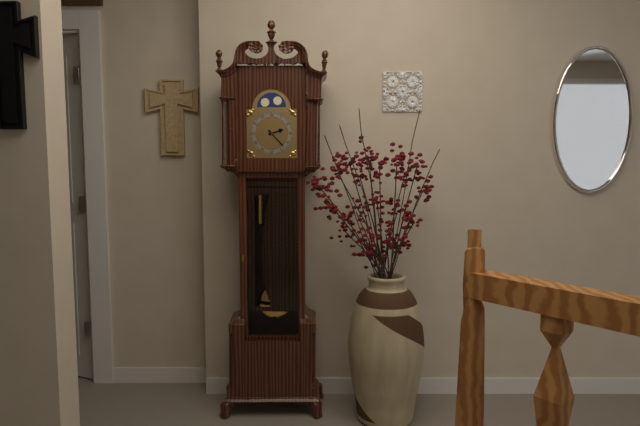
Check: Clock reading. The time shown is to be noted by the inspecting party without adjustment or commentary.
2:23
